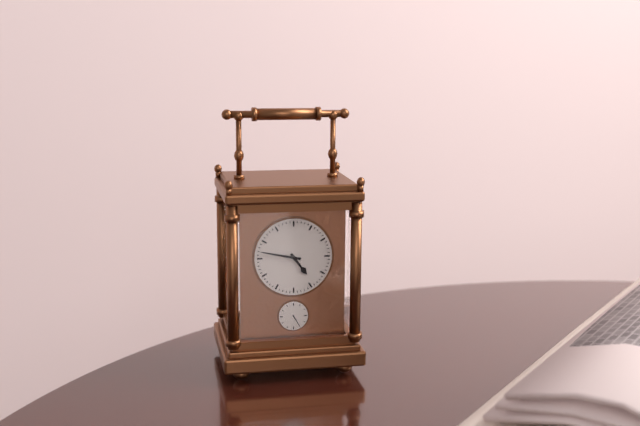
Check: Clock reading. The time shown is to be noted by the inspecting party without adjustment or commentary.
4:47
